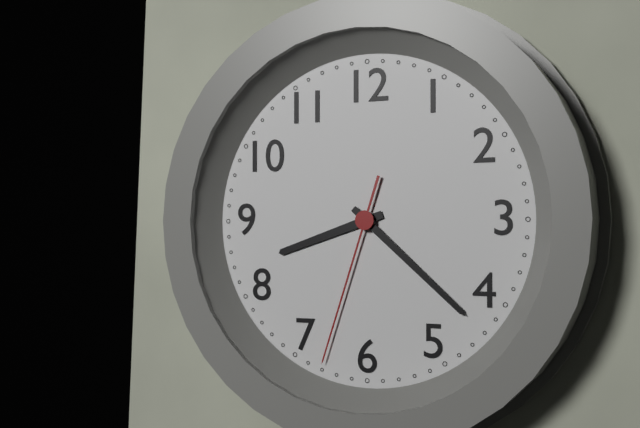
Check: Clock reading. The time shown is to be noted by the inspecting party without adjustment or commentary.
8:22:33
